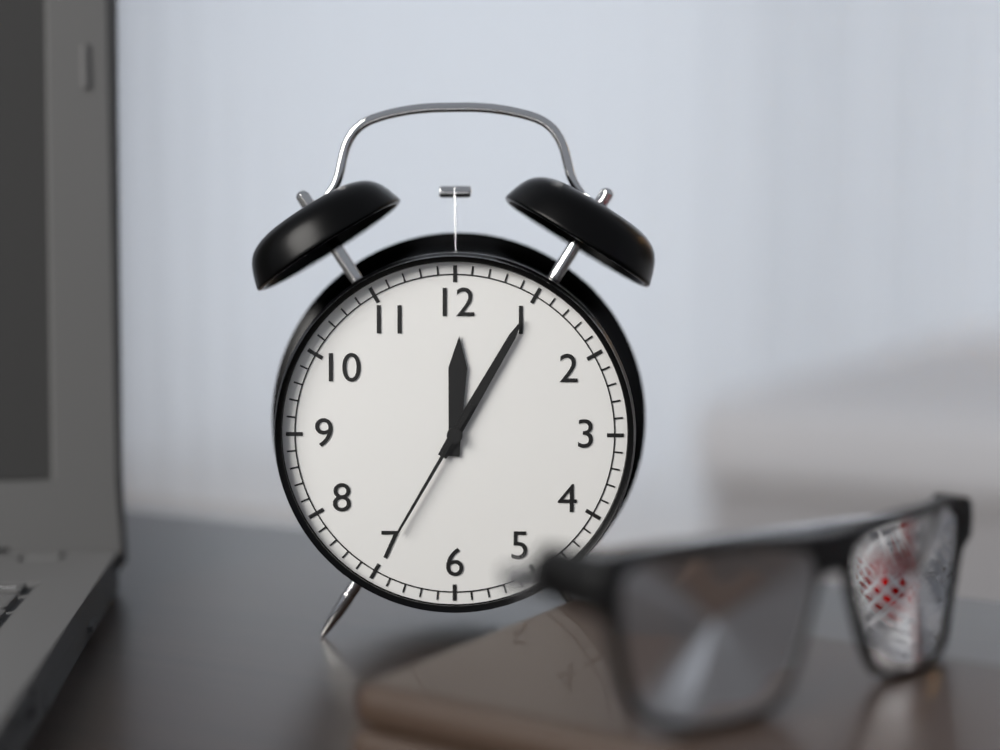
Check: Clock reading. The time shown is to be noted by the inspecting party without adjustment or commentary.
12:05:35
